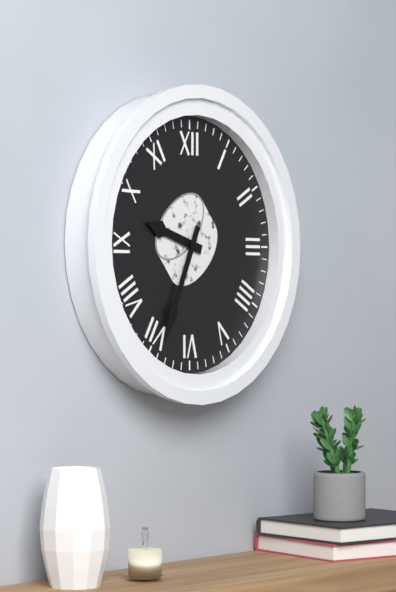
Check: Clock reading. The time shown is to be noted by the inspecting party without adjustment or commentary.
9:34
